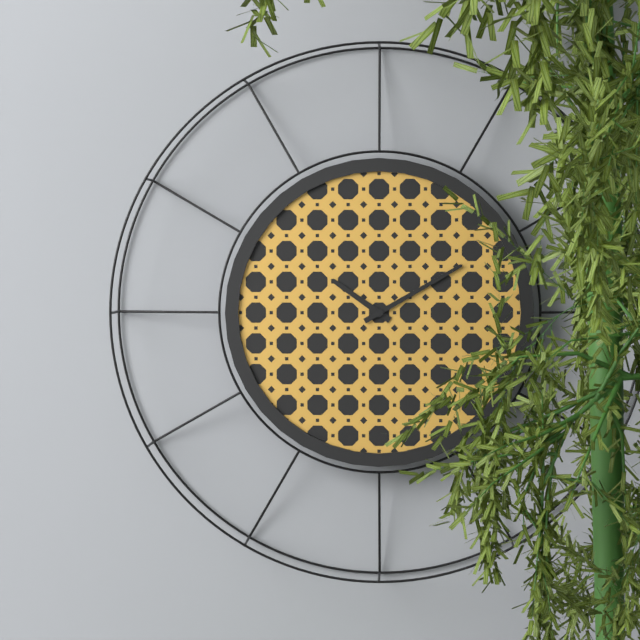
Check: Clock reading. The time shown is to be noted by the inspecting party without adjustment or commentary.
10:10
